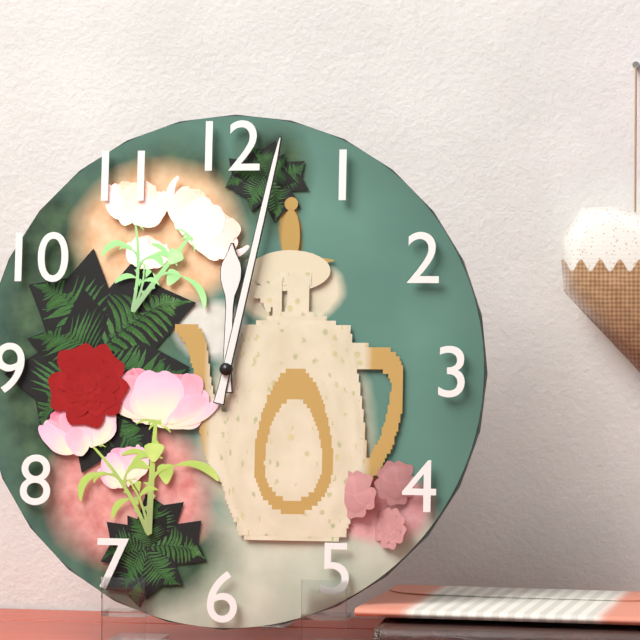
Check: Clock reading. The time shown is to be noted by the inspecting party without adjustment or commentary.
12:02
